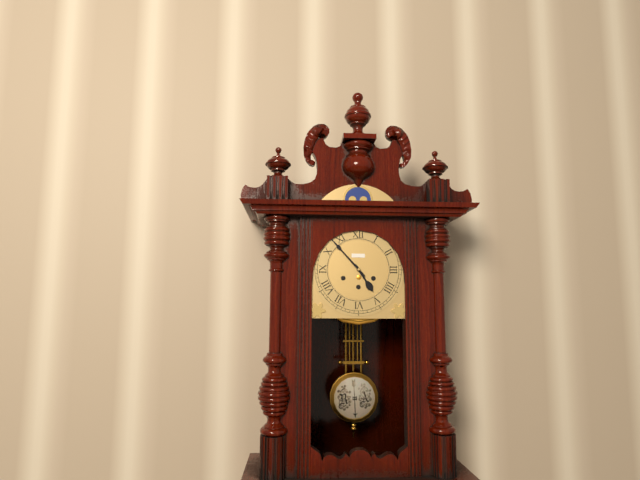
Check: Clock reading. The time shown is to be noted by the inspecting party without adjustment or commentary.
4:53
